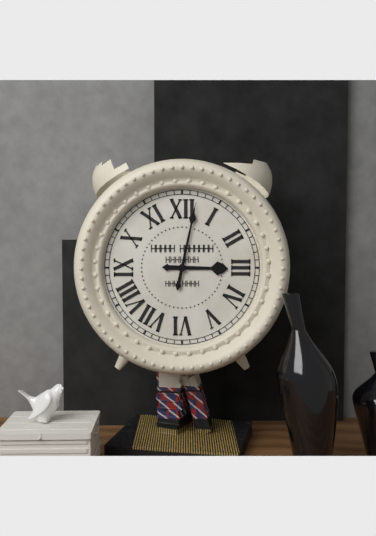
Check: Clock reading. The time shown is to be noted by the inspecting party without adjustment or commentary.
3:02
